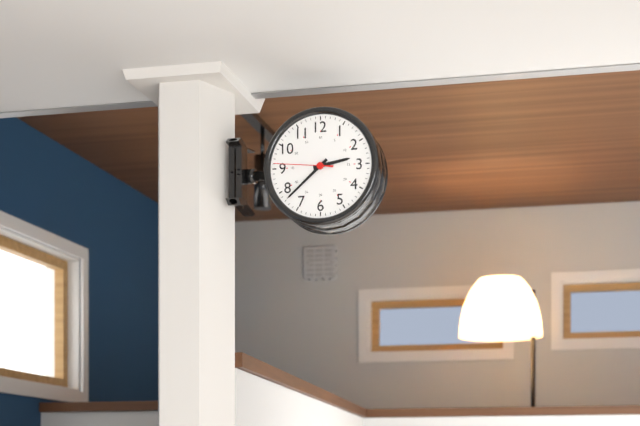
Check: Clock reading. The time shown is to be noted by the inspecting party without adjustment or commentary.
2:38:46
